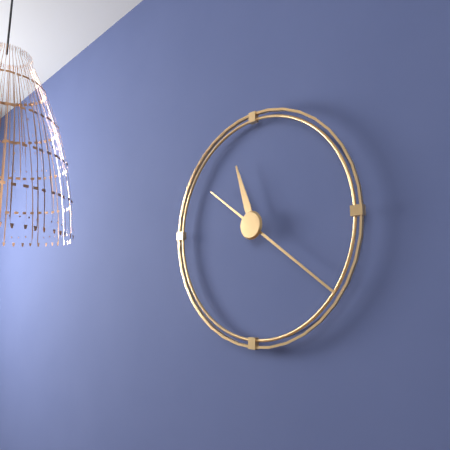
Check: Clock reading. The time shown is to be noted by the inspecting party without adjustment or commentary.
11:21
